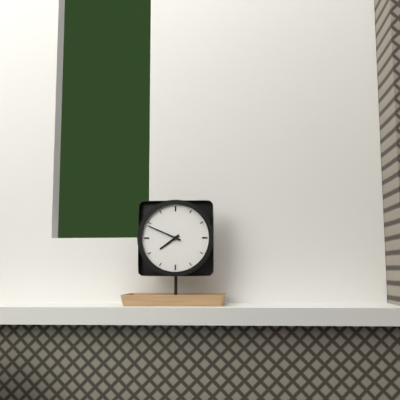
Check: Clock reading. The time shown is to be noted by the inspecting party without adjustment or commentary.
7:49
